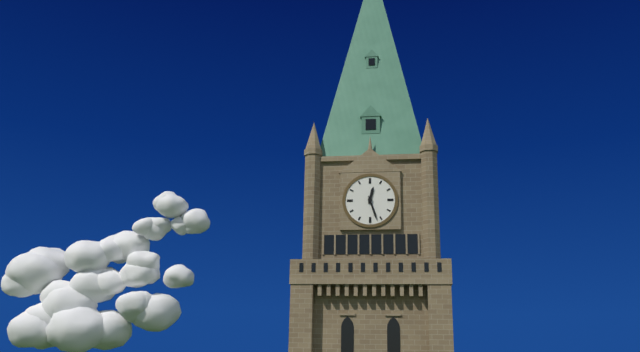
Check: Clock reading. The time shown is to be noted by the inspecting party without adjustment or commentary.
12:27
